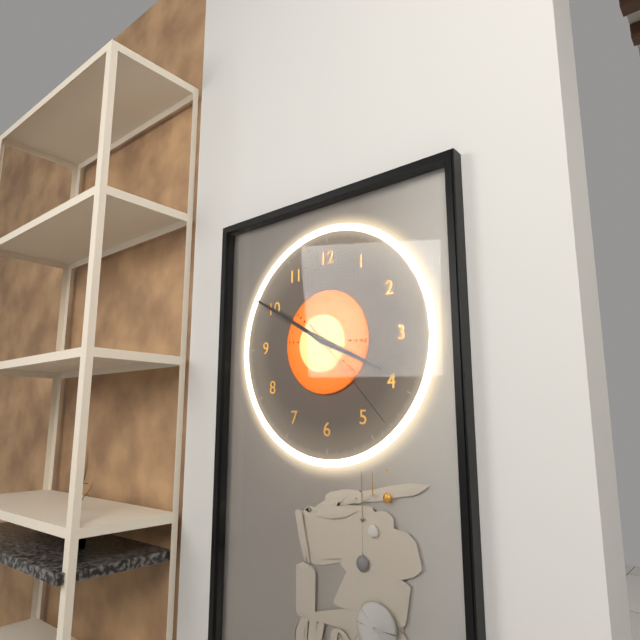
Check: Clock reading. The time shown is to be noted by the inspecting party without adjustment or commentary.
3:50:23
